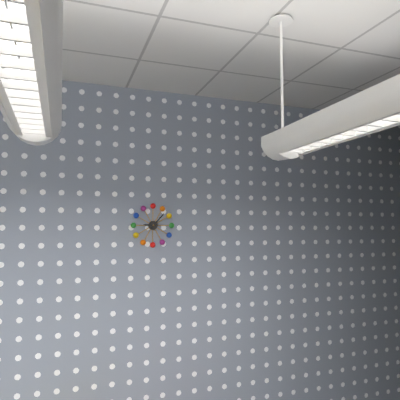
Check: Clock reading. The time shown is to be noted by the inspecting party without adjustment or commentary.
9:07
